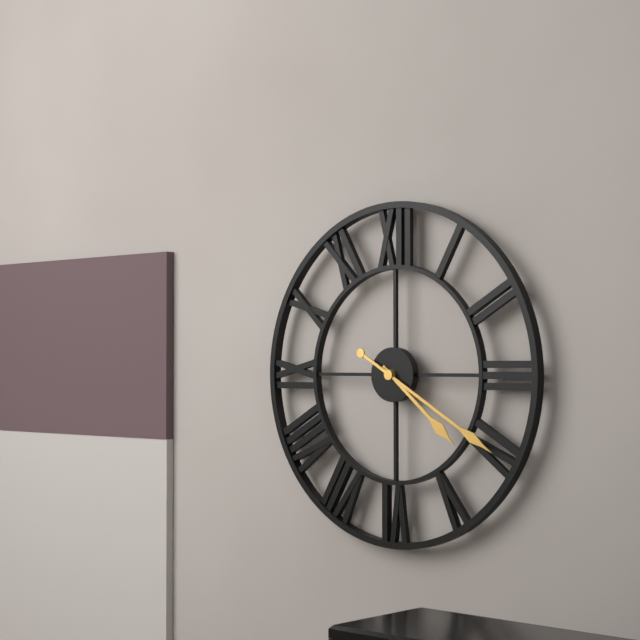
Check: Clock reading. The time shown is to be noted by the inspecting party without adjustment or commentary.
4:20
